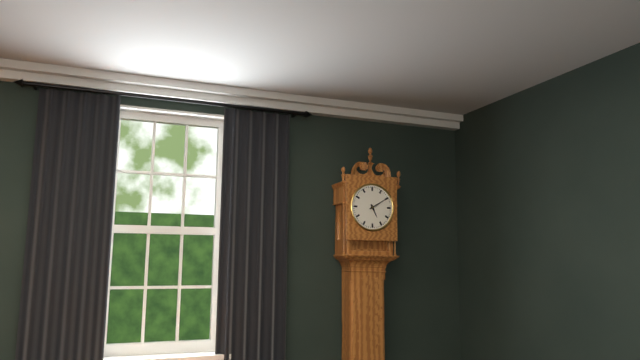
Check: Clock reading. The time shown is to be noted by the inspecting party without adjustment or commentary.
5:10
